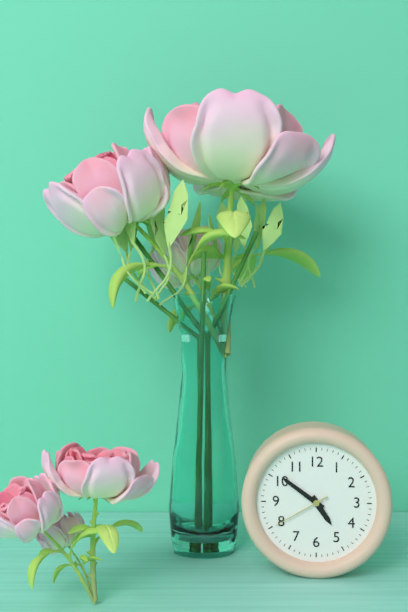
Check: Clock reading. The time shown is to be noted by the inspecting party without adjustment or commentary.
4:51:40
